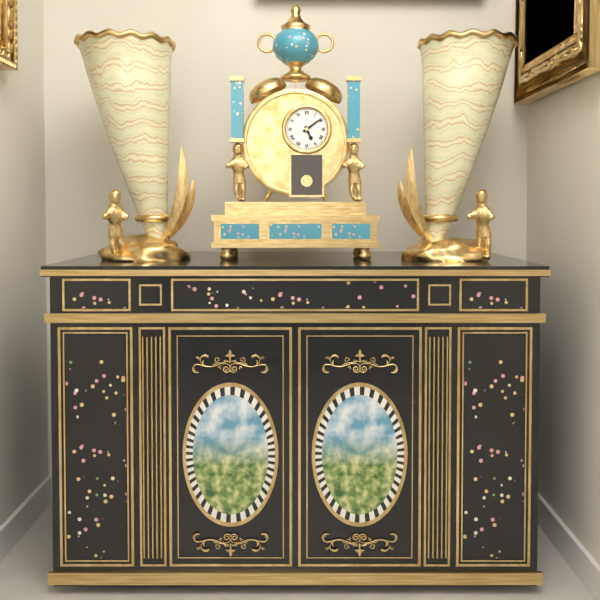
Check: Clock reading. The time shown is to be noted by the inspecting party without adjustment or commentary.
5:09
